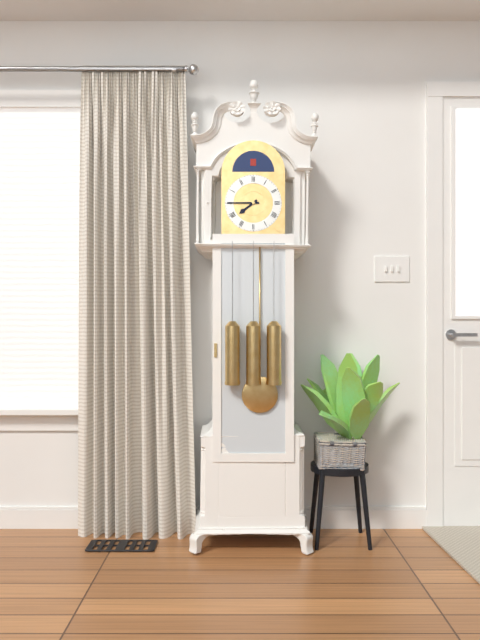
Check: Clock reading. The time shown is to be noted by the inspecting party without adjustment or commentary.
7:45
